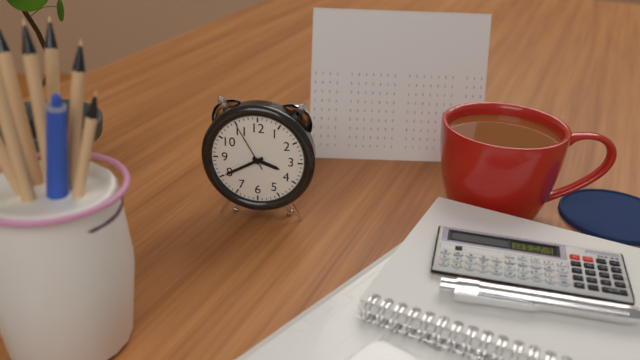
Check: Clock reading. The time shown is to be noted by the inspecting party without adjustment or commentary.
3:40:55
